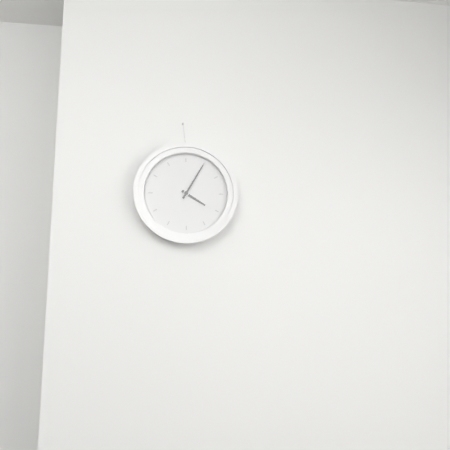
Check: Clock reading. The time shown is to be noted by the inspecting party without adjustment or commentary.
4:05
